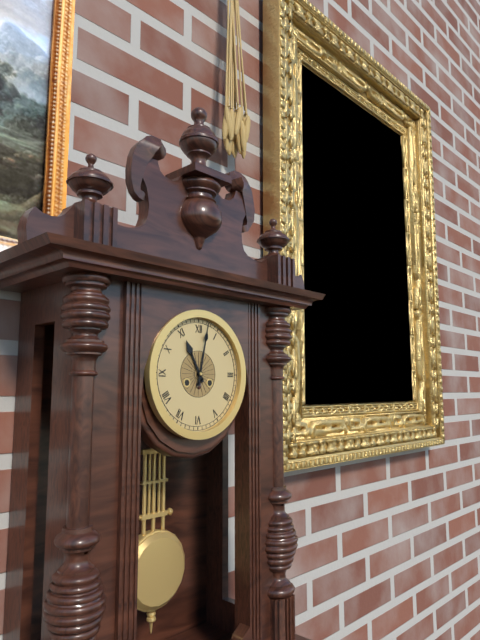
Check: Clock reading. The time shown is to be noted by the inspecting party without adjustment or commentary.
11:02
